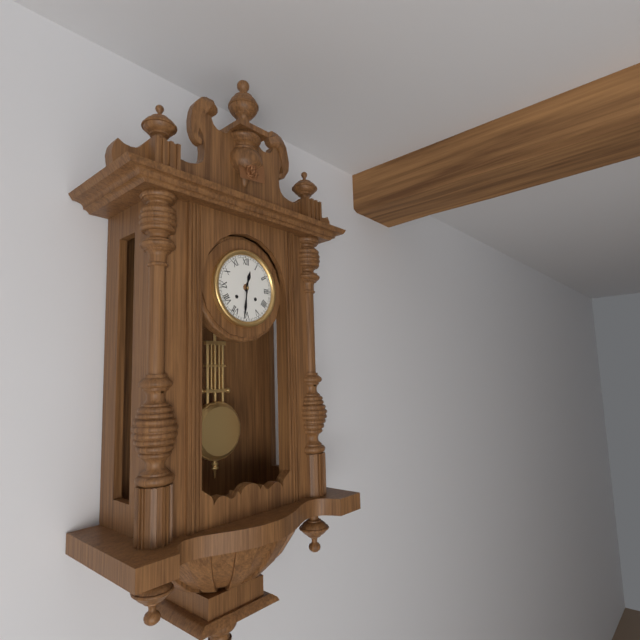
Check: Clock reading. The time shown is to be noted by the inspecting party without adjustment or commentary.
12:31
